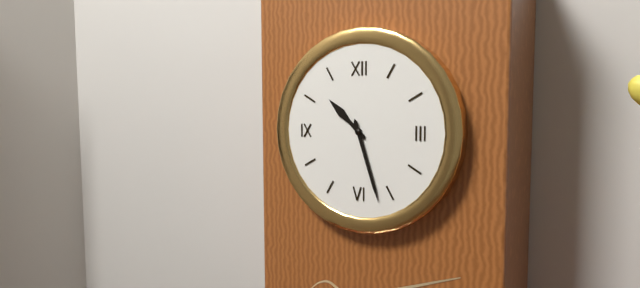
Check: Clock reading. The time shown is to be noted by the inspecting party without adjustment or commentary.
10:27
